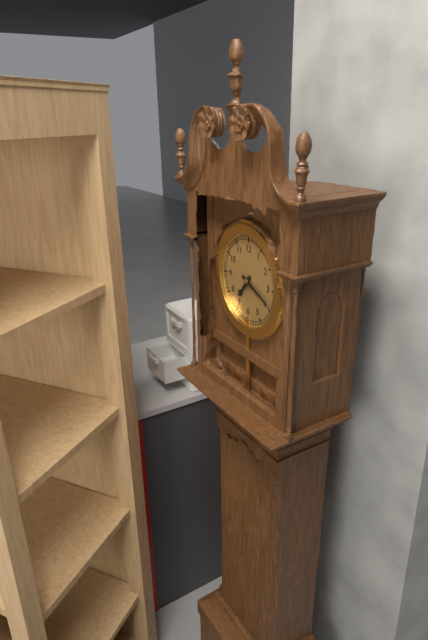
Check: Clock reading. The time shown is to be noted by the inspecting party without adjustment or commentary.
7:19
